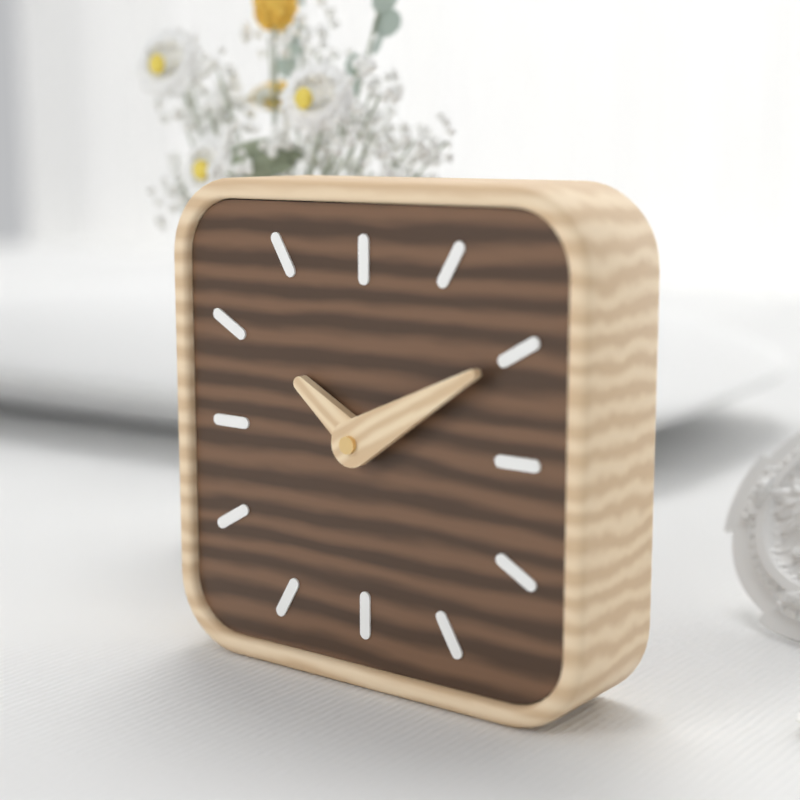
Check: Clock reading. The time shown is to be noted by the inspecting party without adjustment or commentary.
10:10
